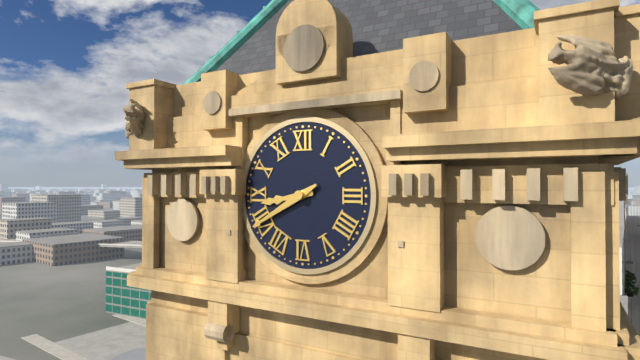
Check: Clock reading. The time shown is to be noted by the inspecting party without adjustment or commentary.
8:40
